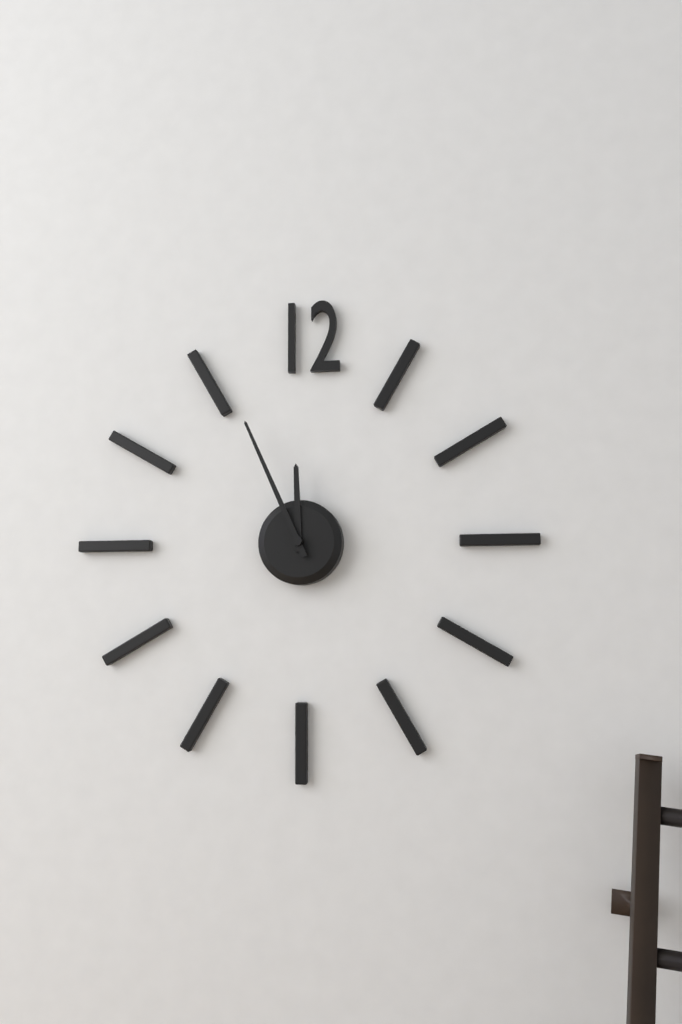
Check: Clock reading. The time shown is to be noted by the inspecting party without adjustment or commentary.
11:56
